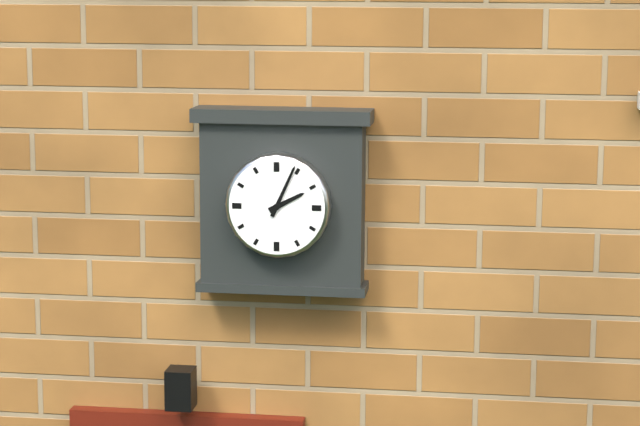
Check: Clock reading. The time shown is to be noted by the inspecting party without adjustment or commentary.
2:04
